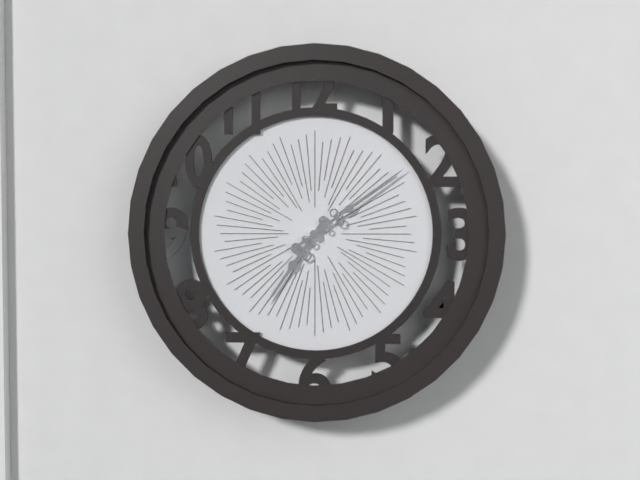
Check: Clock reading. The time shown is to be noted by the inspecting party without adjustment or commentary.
7:09
